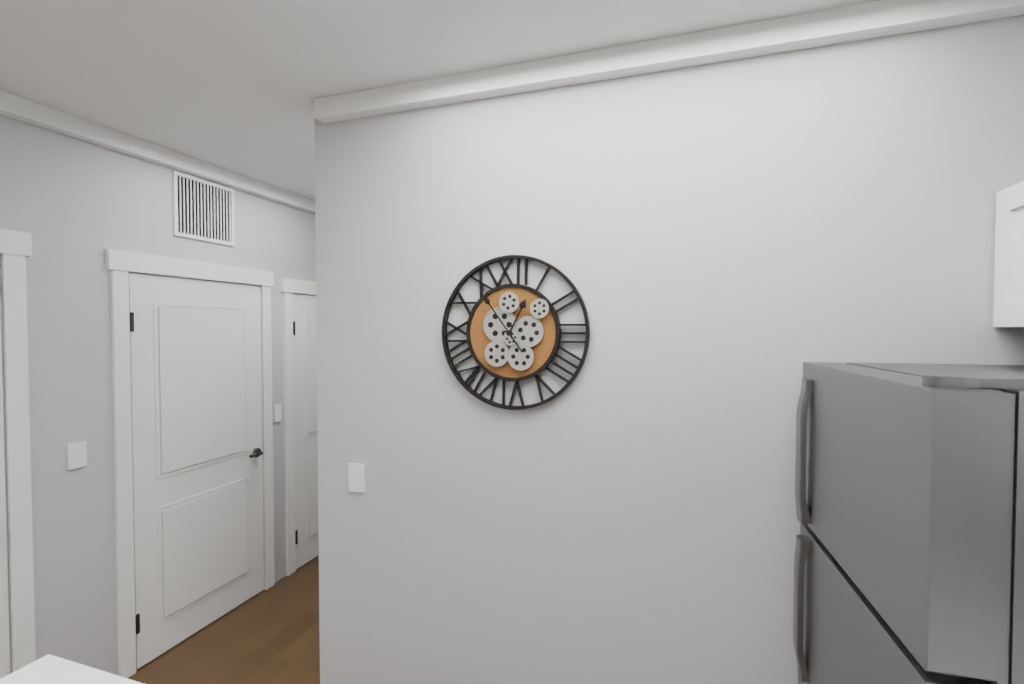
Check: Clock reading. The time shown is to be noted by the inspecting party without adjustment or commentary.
12:54
